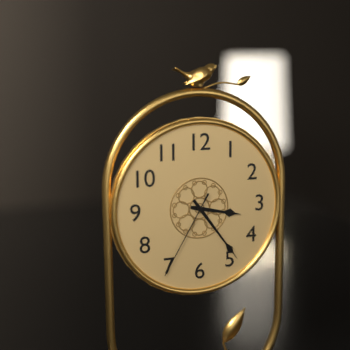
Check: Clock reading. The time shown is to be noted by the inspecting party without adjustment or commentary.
3:24:35
